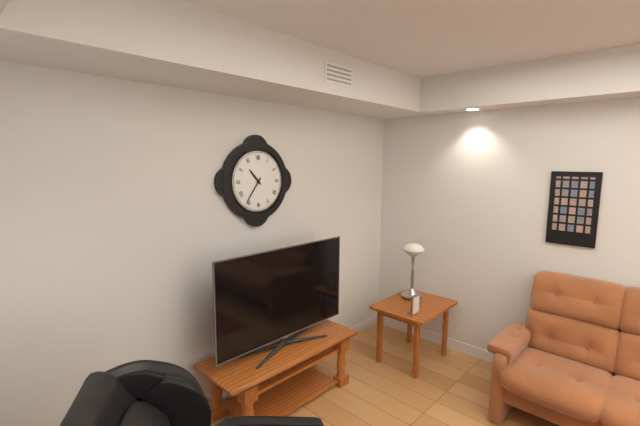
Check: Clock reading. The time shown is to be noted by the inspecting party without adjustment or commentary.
10:36
